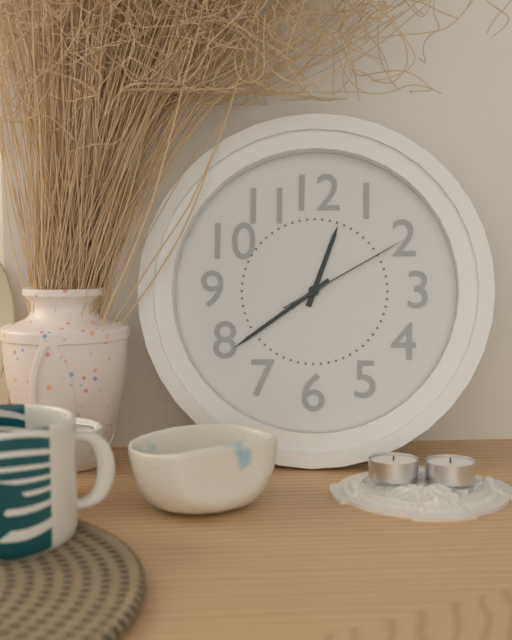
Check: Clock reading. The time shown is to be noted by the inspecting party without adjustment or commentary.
12:39:10
